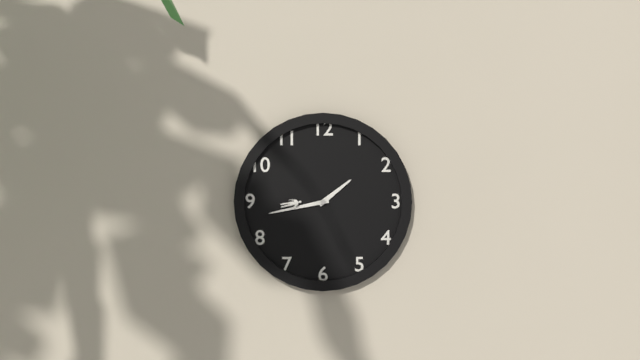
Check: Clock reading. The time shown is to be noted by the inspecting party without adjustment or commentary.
1:43
